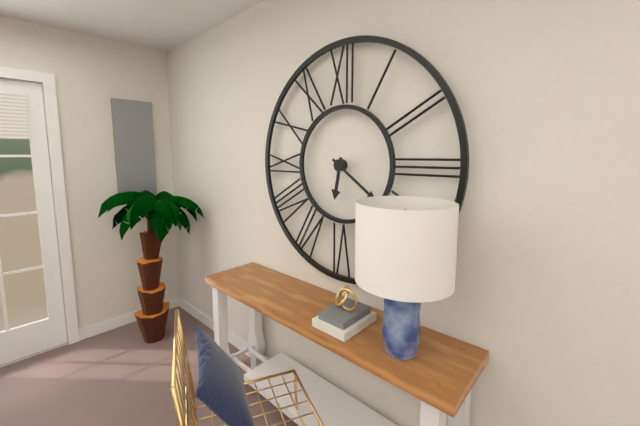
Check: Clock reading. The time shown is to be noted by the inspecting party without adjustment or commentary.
6:21
